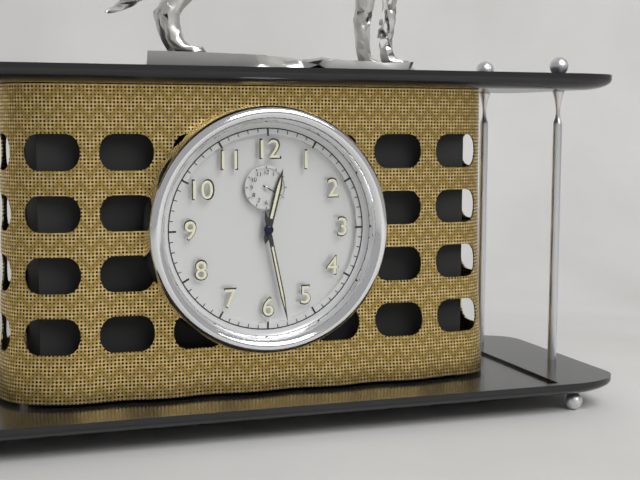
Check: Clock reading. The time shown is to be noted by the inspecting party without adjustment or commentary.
12:28
